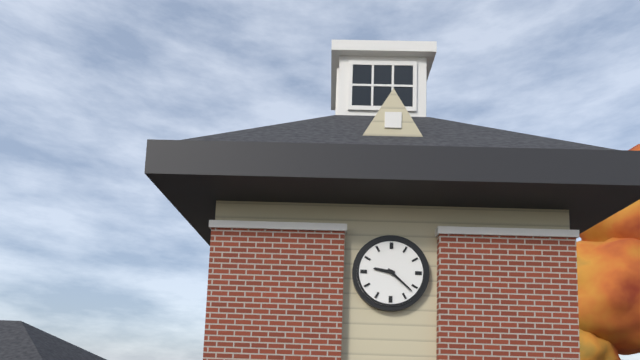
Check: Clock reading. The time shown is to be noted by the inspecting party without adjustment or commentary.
9:22
